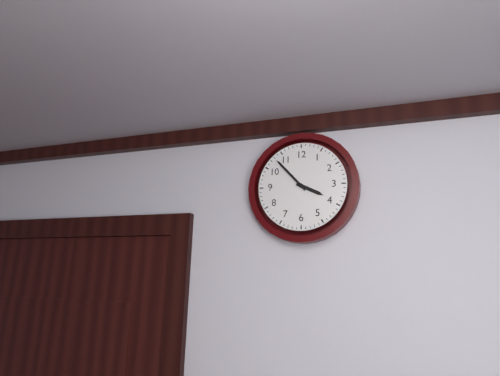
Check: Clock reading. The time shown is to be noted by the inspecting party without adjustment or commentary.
3:53
